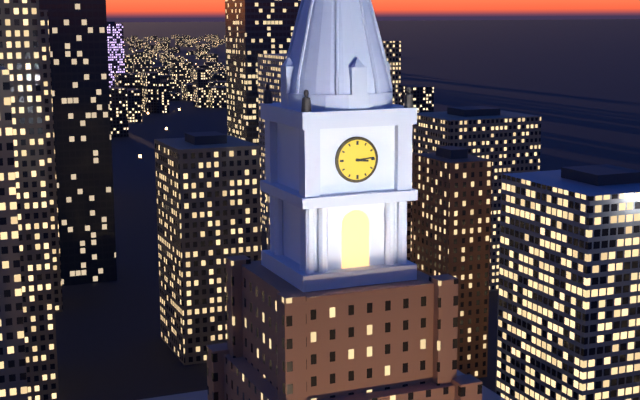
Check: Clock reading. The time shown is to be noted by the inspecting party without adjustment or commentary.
3:14
